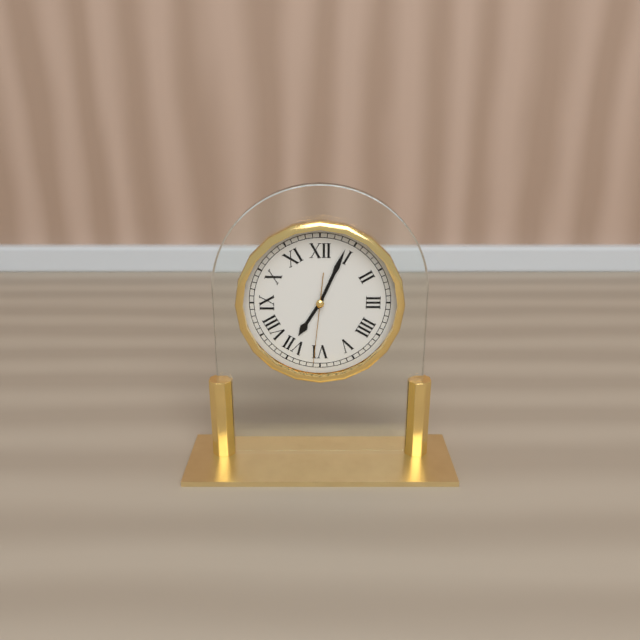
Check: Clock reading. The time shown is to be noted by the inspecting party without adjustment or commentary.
7:04:31
